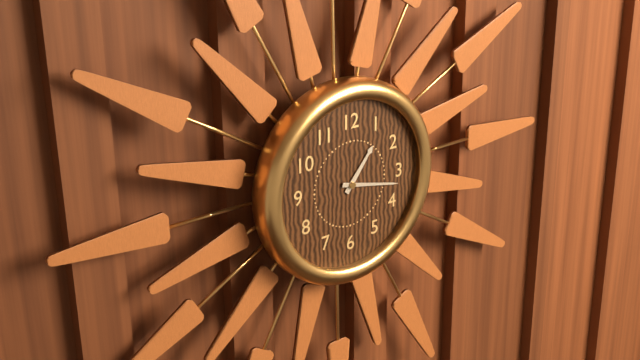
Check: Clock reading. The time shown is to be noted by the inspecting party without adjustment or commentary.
1:17
